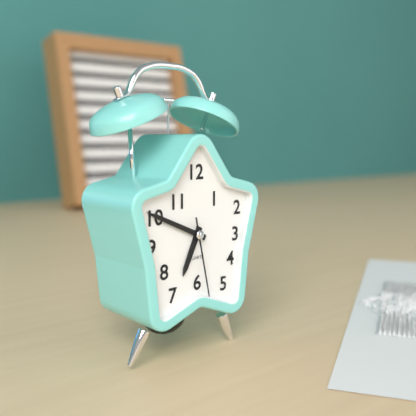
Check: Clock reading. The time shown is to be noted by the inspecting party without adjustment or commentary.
6:49:28
